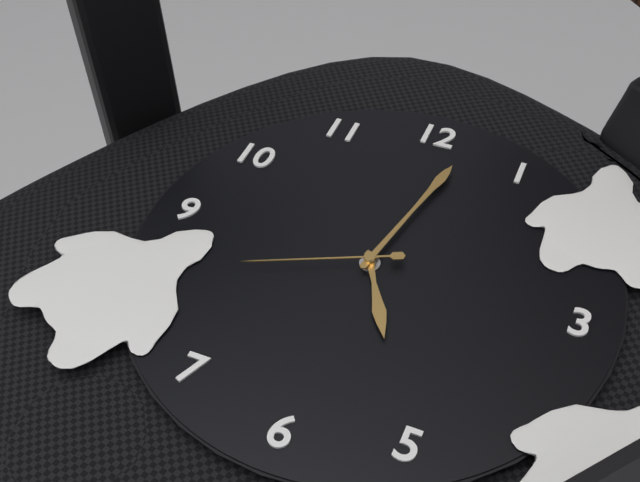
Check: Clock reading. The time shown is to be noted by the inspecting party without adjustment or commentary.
5:02:41
